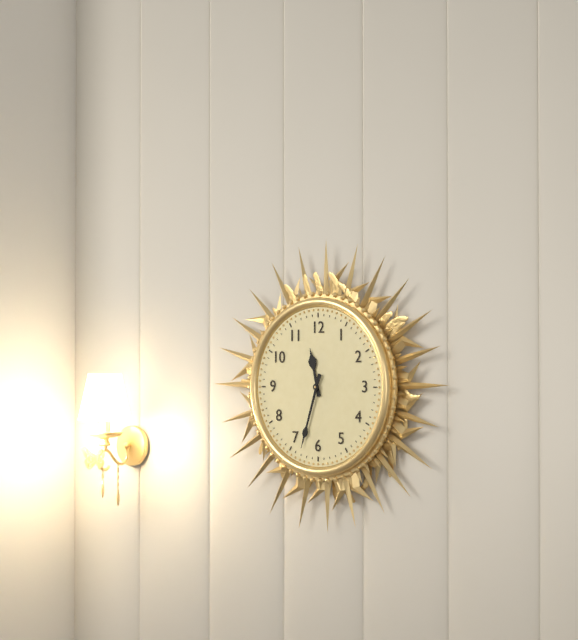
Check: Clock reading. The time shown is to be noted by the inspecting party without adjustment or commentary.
11:33
